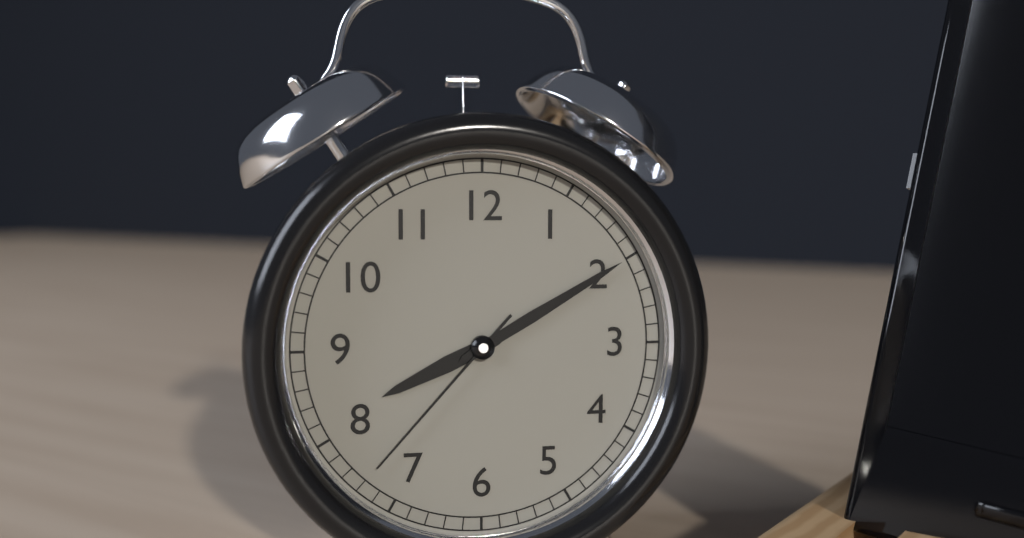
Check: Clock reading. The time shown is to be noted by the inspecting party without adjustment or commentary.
8:10:37
